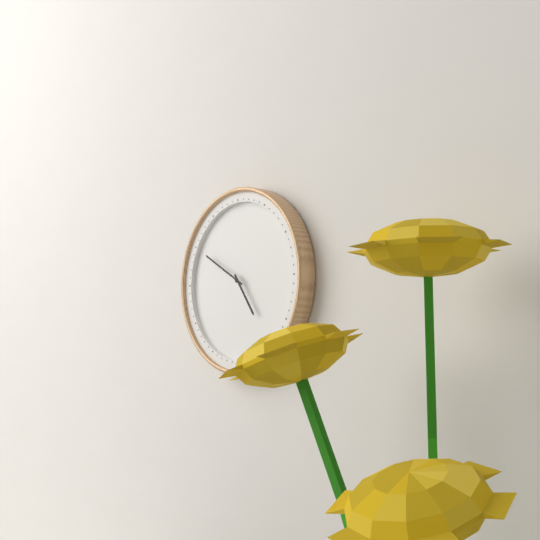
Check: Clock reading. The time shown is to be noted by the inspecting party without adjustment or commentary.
4:50
